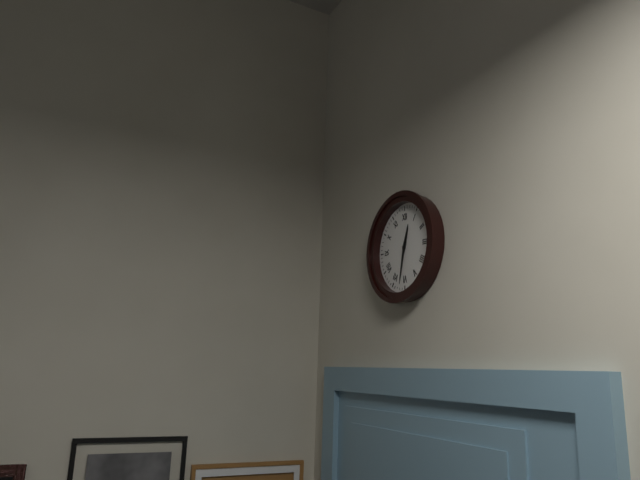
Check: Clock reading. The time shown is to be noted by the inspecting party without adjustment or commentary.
12:32
